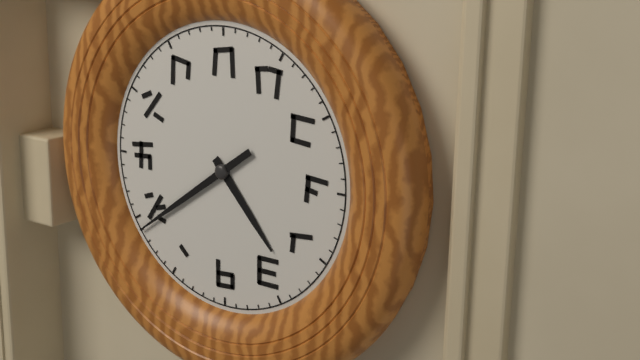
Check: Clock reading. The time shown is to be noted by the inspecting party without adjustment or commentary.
4:39
